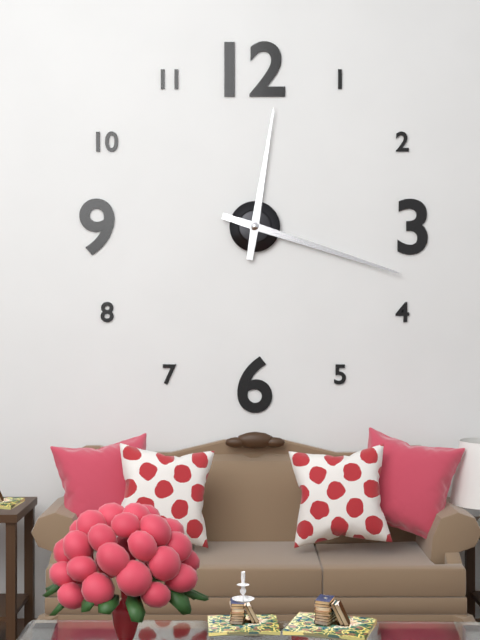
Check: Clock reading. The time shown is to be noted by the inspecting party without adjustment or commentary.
12:18
